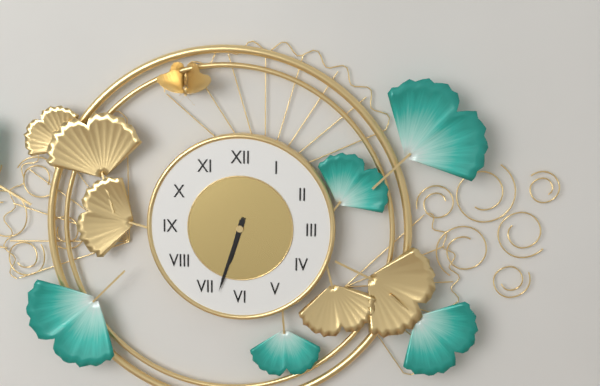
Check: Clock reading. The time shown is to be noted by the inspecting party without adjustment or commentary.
6:33
